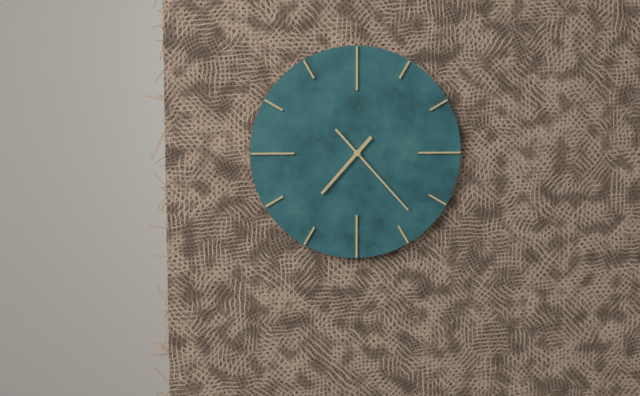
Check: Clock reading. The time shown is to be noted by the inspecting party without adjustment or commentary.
7:23
